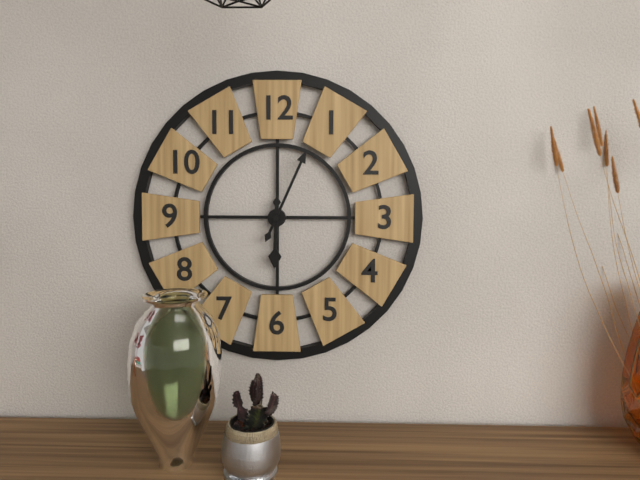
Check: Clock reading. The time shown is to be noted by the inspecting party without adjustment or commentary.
6:04
